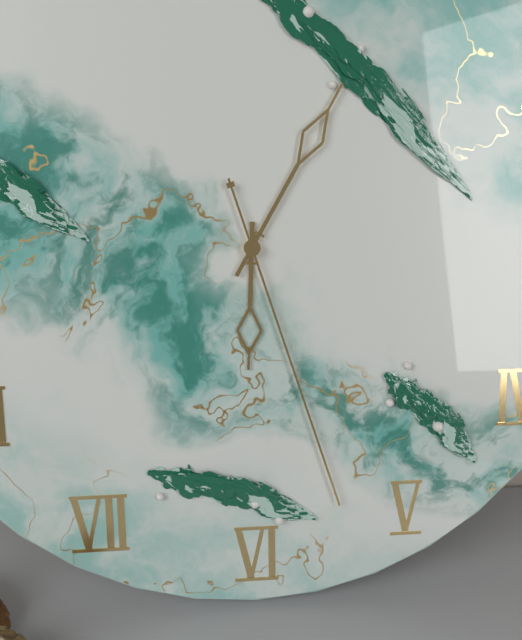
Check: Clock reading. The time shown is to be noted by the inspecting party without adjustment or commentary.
6:05:27
